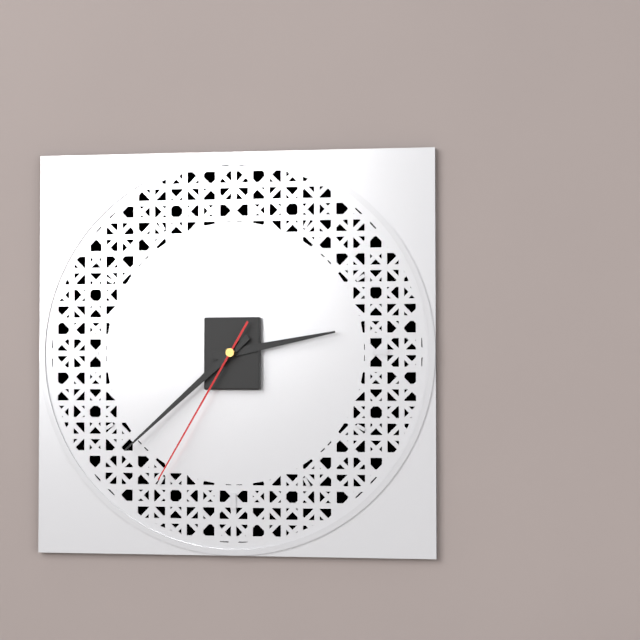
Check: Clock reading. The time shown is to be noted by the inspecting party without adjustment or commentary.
2:38:35
